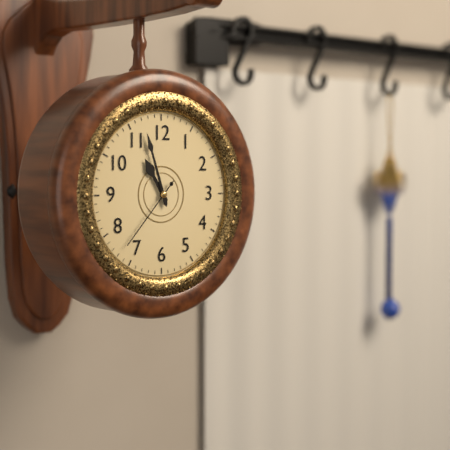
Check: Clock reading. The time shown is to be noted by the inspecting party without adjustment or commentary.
10:57:37
